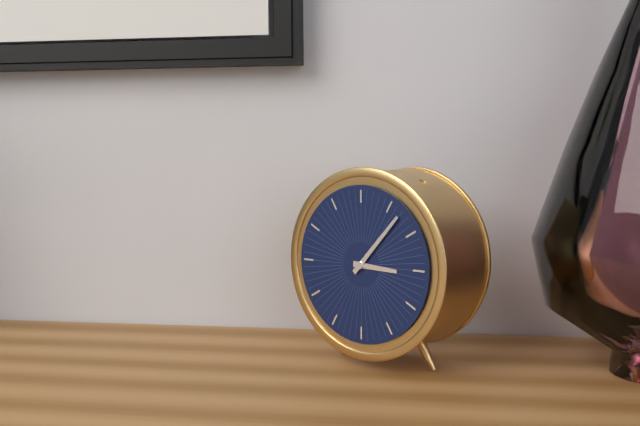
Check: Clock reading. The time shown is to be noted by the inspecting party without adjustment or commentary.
3:07
